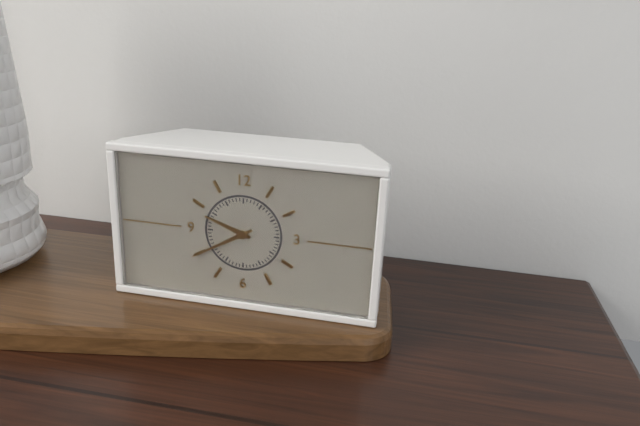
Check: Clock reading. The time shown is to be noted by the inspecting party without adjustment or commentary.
9:40
